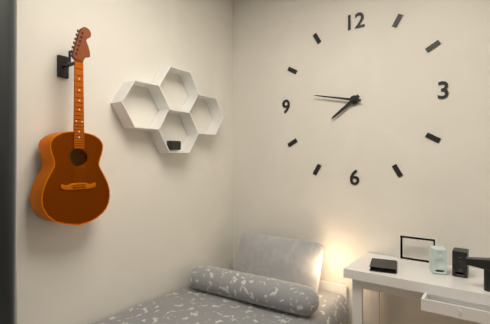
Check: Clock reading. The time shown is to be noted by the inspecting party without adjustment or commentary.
7:47
